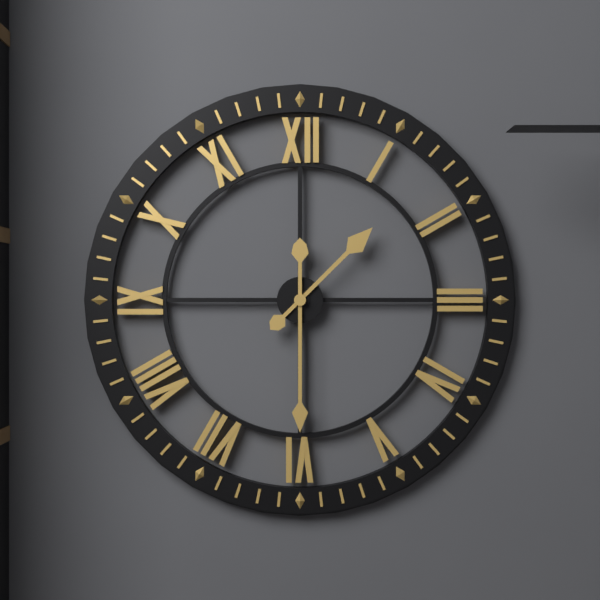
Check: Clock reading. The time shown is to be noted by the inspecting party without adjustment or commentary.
1:30
